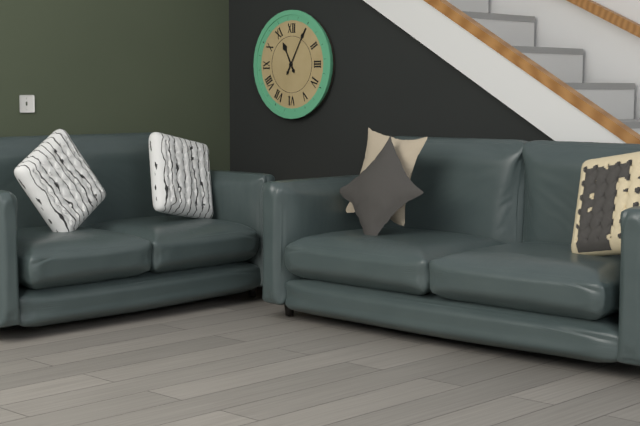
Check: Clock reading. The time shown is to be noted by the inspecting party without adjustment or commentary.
11:05
